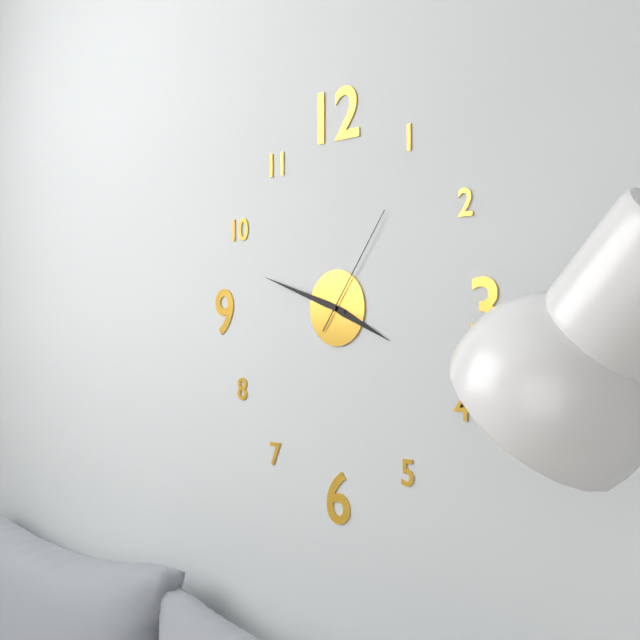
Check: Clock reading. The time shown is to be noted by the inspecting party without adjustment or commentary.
3:48:06
